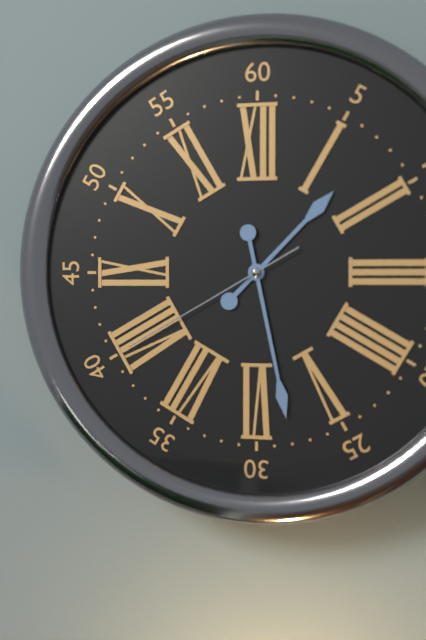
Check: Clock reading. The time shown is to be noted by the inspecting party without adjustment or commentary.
1:28:40
